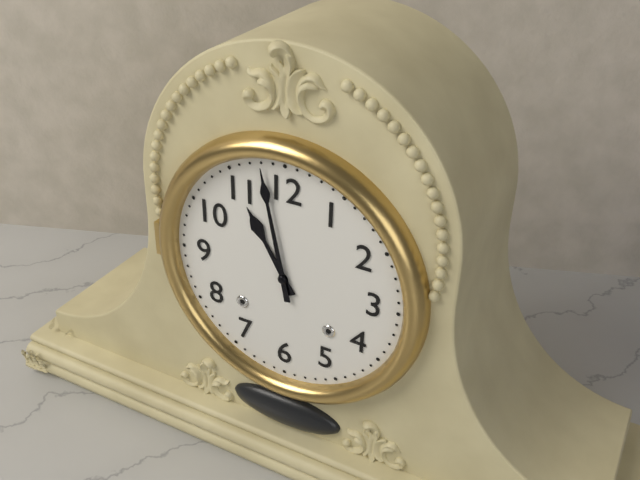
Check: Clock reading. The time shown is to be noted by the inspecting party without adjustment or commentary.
10:58
